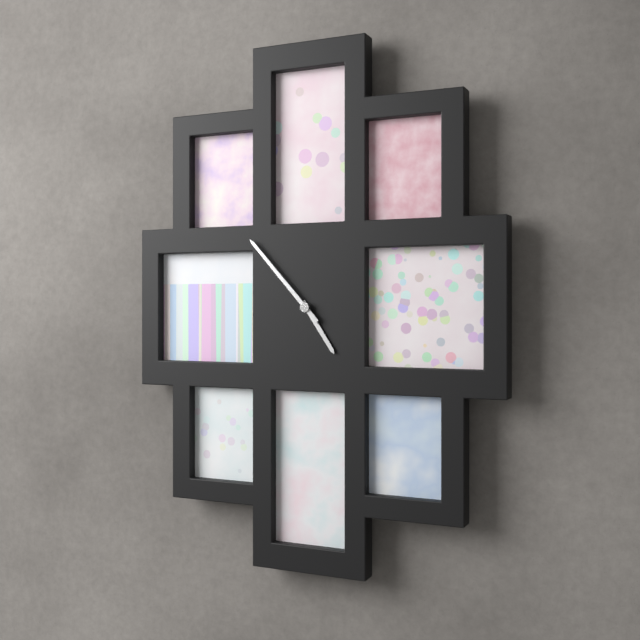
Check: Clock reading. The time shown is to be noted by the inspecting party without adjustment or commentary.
4:53
